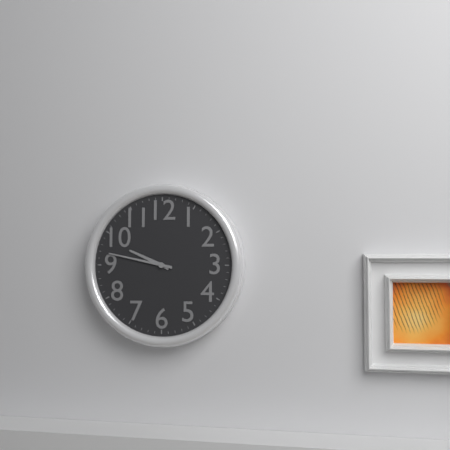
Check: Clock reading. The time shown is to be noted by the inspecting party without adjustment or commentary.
9:47
